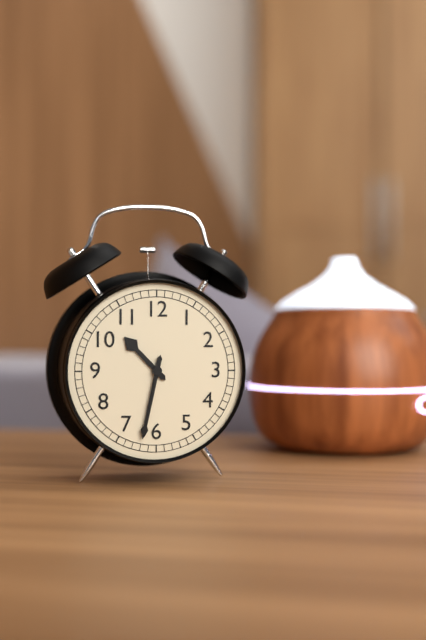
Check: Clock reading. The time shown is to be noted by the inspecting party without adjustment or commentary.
10:32
